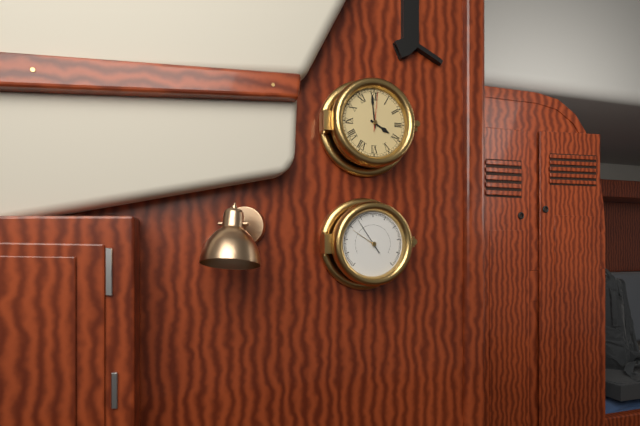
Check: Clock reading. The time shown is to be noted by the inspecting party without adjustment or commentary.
3:59:01
